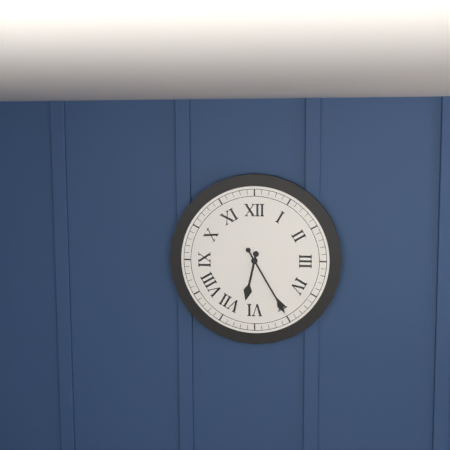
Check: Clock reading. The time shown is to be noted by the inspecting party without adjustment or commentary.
6:25
